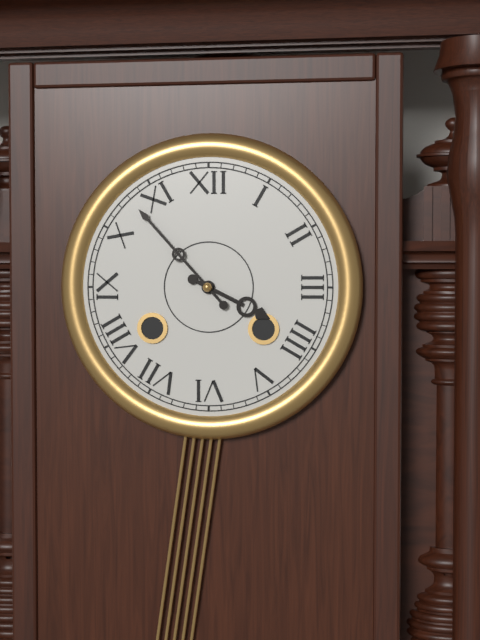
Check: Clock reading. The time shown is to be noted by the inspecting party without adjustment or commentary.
3:53
